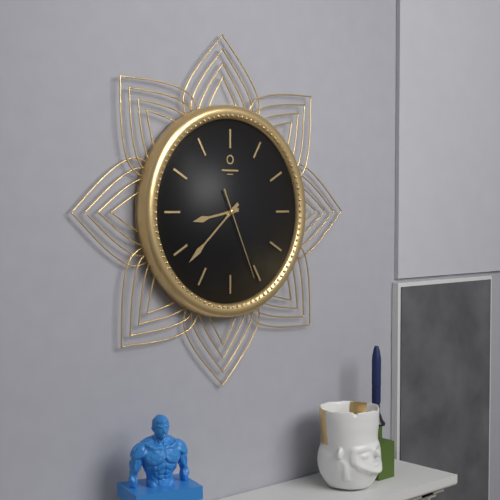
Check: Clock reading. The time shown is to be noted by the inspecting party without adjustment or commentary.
8:38:26
